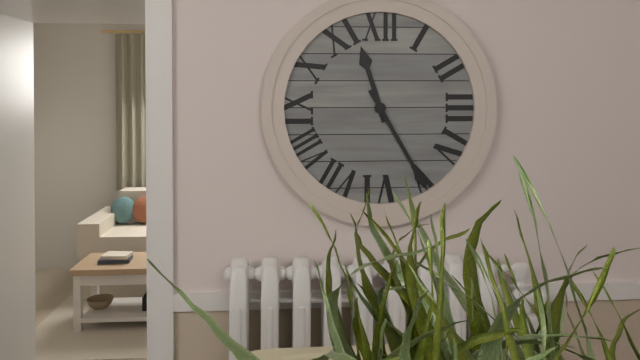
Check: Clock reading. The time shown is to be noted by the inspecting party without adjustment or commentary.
11:25
